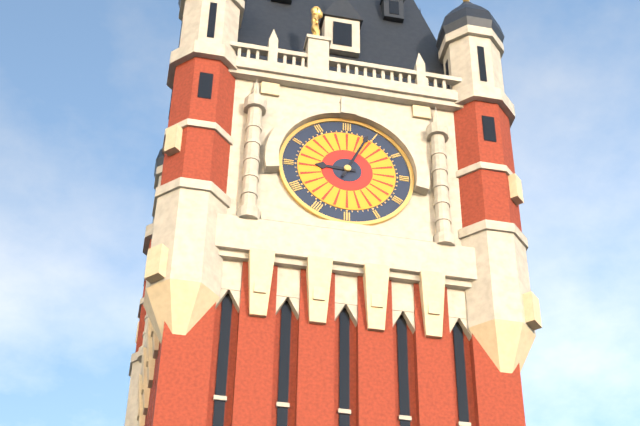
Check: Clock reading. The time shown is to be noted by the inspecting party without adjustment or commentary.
9:04
